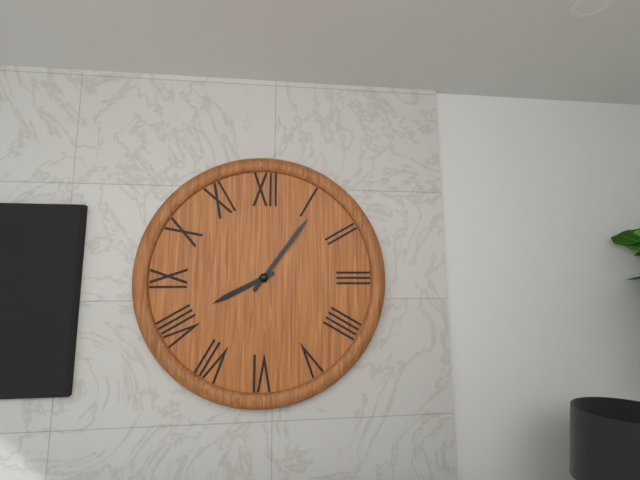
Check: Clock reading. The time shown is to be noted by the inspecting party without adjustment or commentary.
8:06
